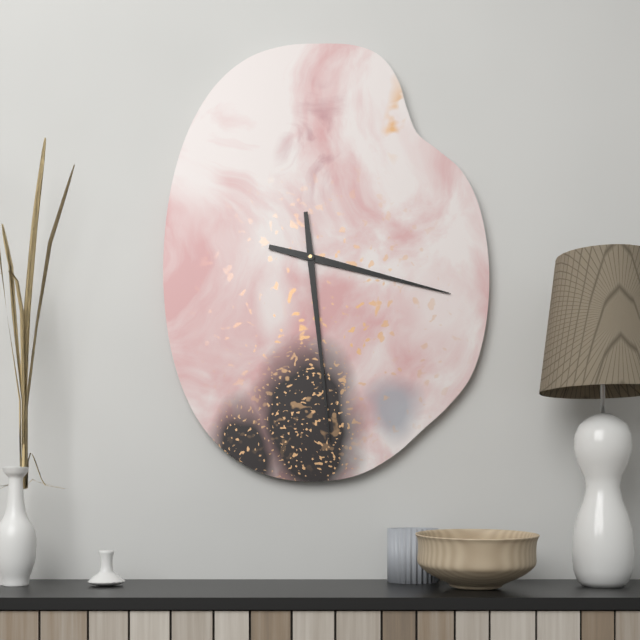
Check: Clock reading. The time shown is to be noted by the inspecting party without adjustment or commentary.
3:29
